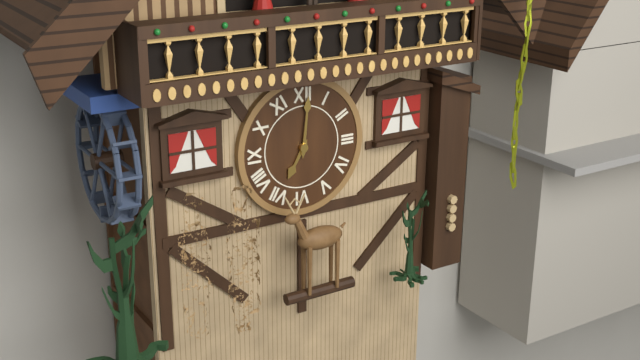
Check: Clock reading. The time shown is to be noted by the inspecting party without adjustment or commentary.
7:01
